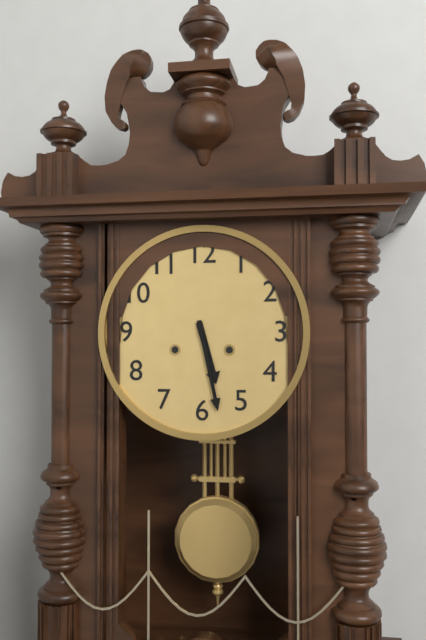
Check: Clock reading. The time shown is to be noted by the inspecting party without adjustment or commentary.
5:28
